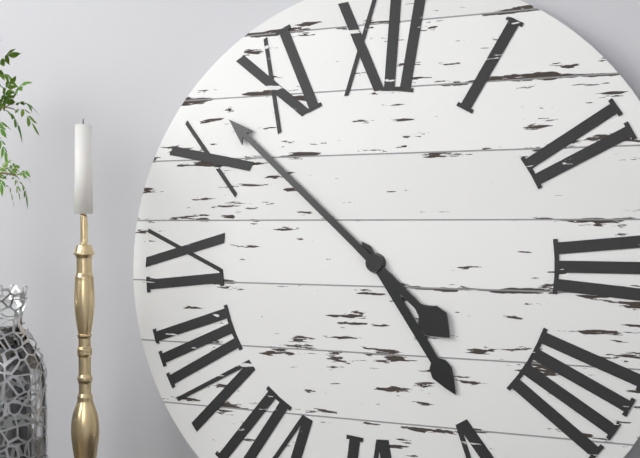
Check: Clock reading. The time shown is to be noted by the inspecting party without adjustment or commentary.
4:52
